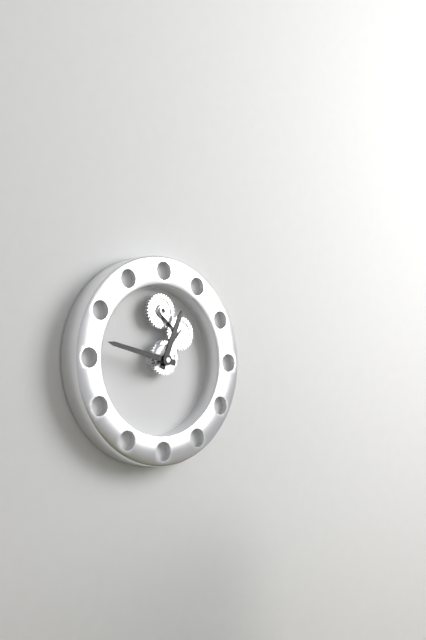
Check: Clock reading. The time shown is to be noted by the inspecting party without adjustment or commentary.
12:47
